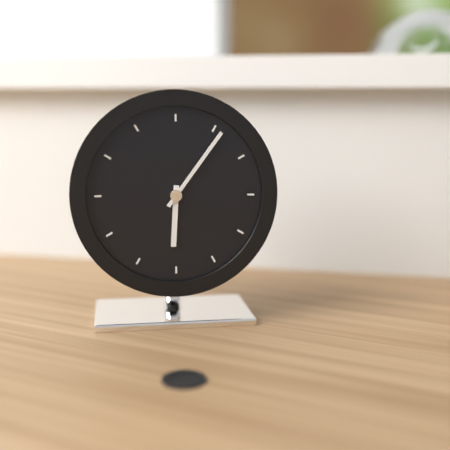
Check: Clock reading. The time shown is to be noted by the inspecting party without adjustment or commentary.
6:06
